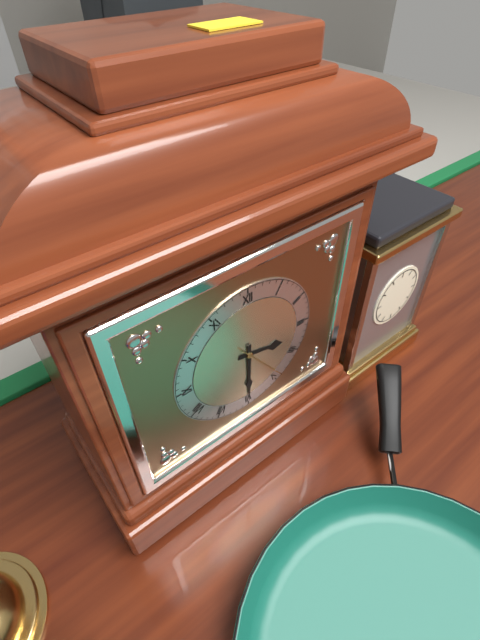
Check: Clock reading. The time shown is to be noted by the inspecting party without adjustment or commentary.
3:30
